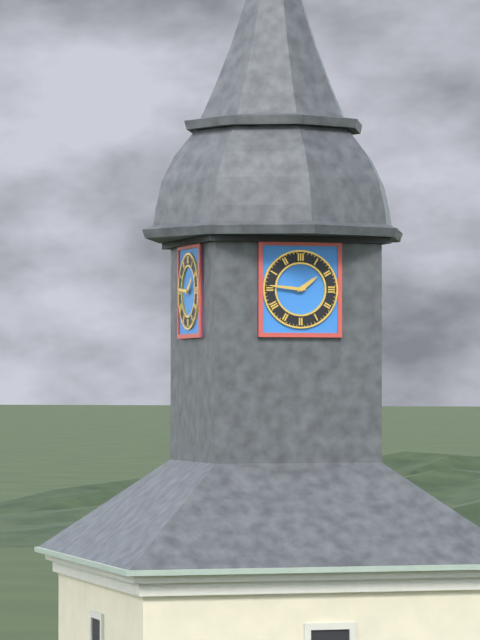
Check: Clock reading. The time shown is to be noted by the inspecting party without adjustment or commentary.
1:46
